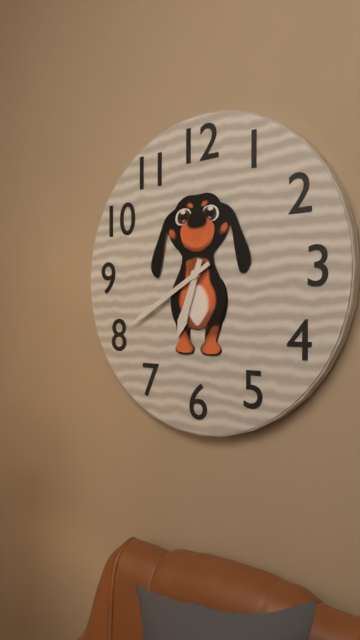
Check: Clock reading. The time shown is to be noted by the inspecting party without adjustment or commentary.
6:40
